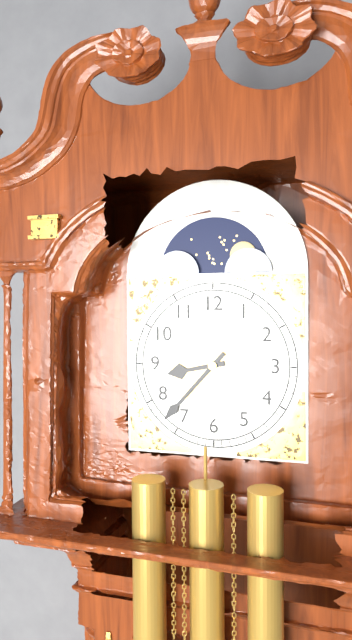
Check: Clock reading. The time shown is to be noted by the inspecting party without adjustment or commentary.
8:37
